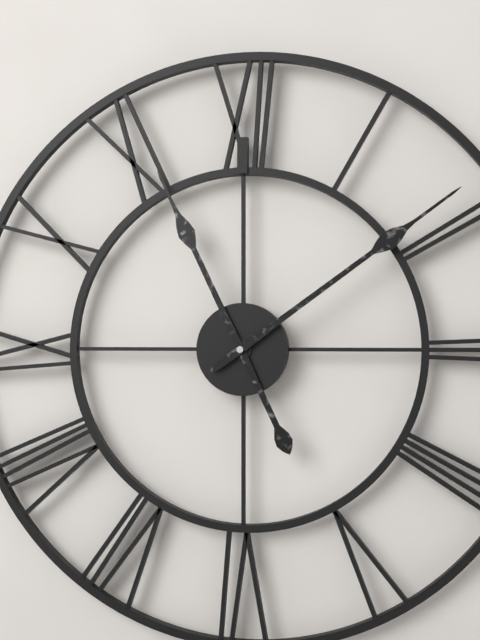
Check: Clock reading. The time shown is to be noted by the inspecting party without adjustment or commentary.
11:09
